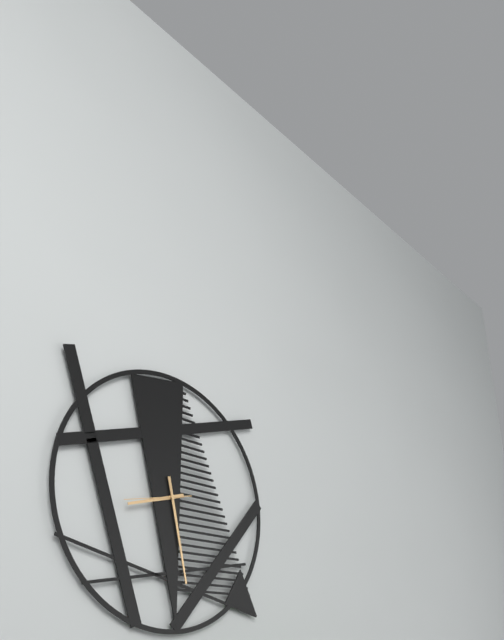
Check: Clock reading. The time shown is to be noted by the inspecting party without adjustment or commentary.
8:28:43
